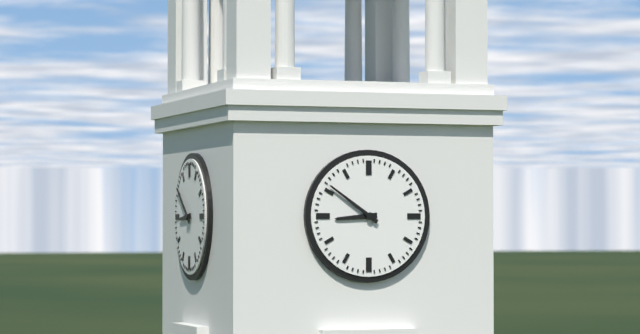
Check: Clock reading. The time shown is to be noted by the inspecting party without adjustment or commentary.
8:51
